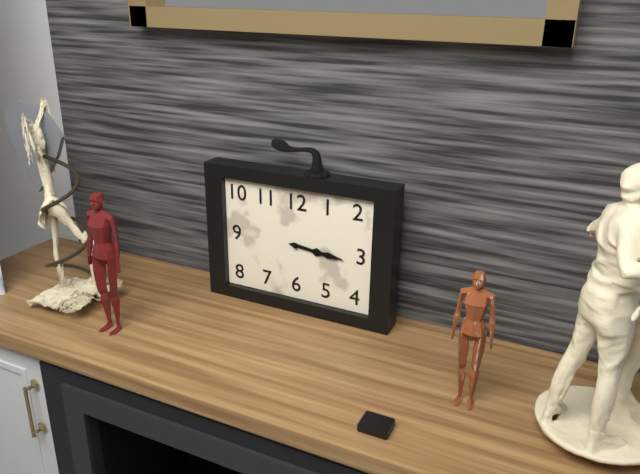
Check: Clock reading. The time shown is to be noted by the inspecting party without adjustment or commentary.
3:16
